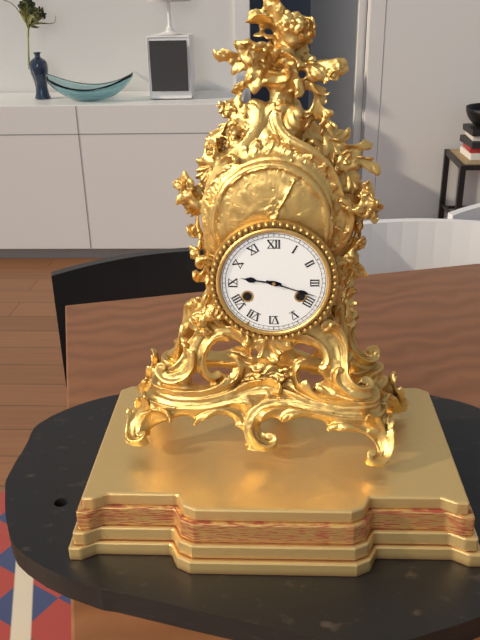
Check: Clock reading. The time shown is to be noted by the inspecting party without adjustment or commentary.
9:18
